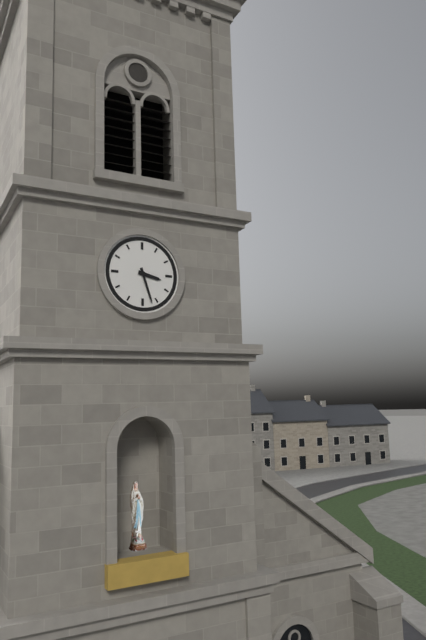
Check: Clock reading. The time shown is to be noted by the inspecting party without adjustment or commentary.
3:27
